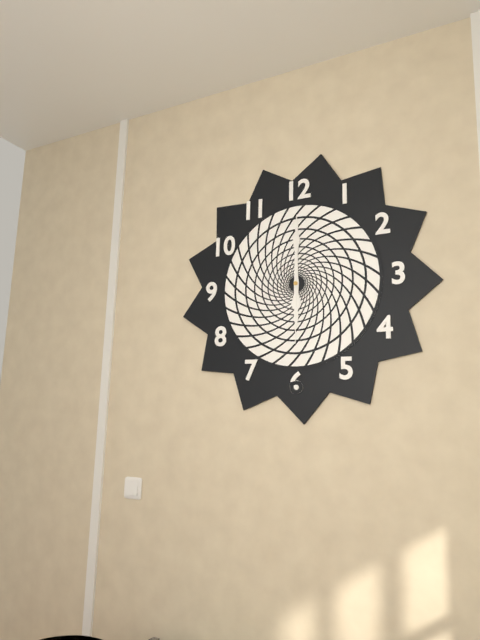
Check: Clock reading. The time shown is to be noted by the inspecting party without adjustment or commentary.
6:00:30
